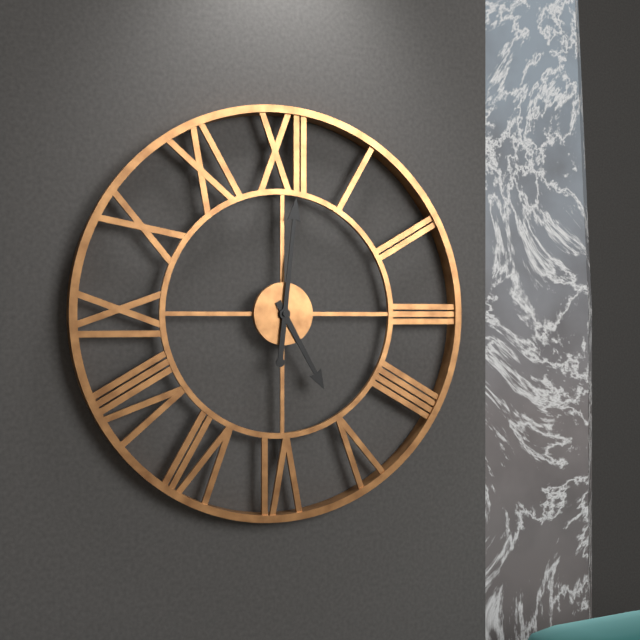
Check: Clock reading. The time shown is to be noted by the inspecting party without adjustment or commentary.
5:01
